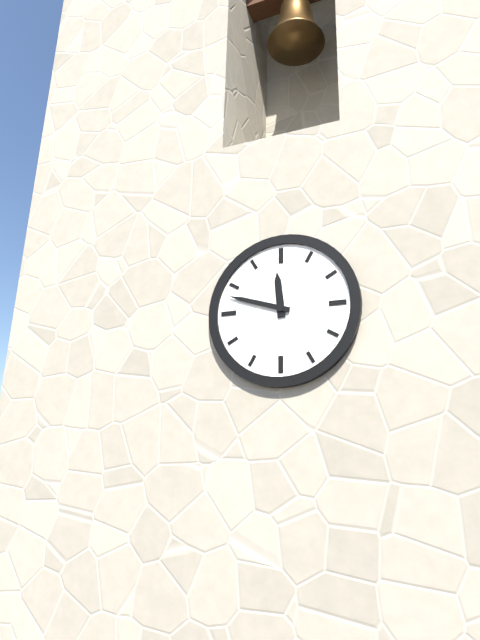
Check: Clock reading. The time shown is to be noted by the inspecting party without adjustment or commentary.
11:48
